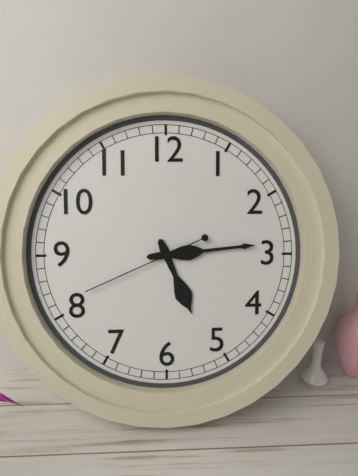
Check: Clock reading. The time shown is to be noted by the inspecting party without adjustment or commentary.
5:14:41
